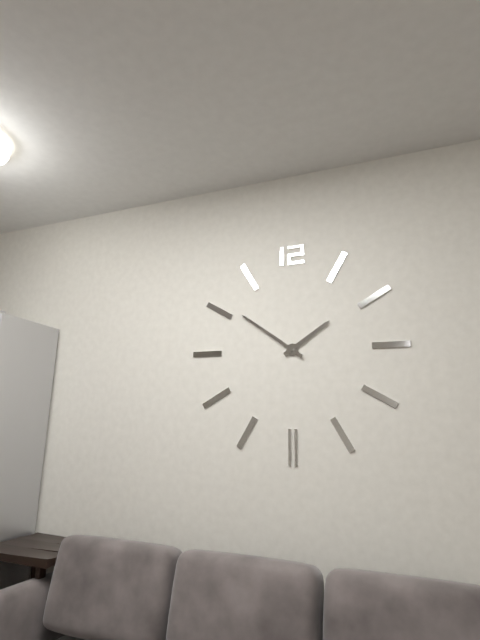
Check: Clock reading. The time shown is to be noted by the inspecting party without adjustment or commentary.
1:51
